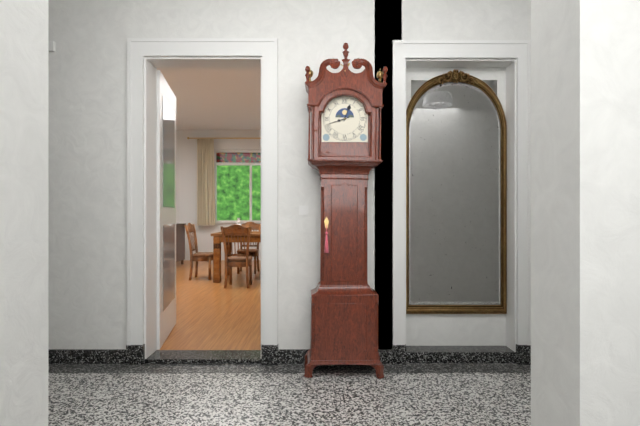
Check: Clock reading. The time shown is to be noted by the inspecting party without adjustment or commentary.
12:42
